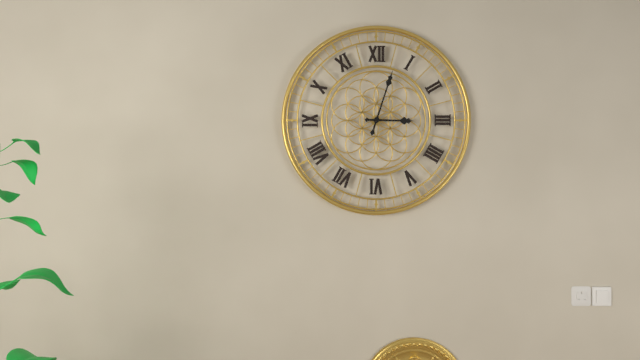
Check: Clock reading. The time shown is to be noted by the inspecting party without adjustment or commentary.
3:03
